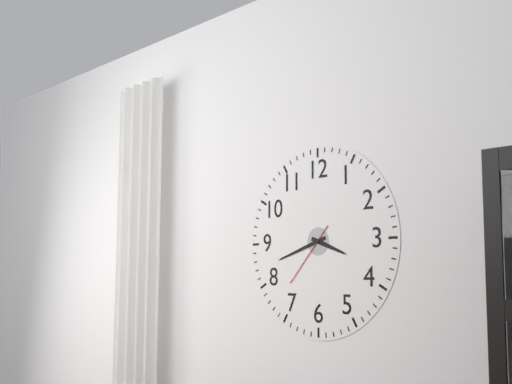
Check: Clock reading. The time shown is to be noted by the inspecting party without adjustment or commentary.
3:42:37
